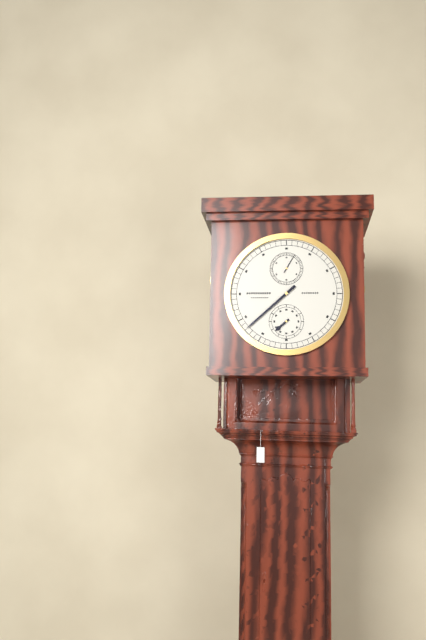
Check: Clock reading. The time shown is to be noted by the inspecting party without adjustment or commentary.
7:38
